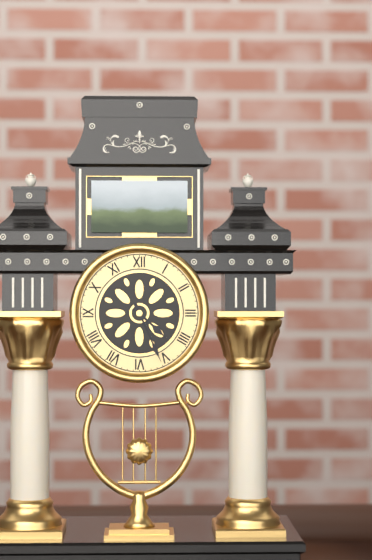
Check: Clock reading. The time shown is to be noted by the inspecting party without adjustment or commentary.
4:26
